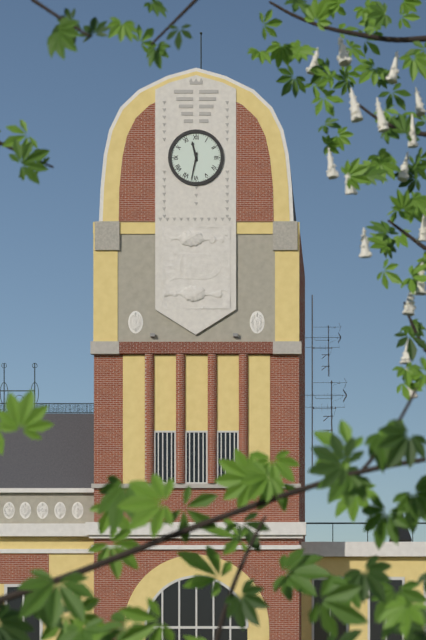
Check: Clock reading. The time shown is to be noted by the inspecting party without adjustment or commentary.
11:32
